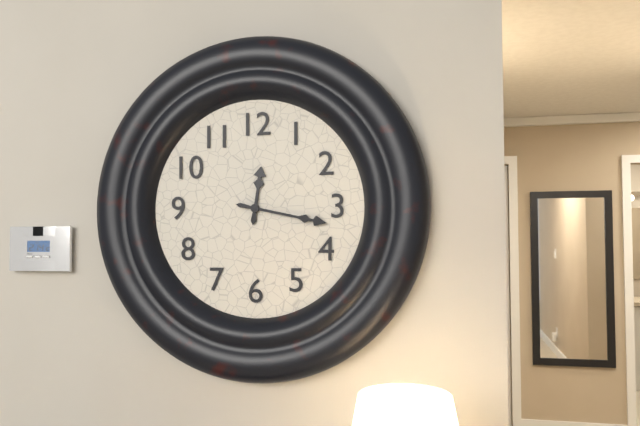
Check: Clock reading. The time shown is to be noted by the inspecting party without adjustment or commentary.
12:17
